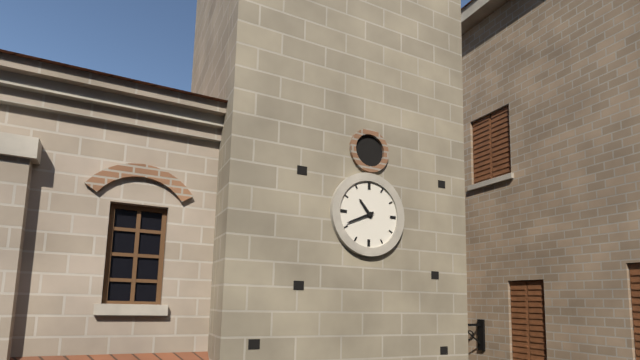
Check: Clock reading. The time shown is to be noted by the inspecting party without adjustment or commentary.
10:41
